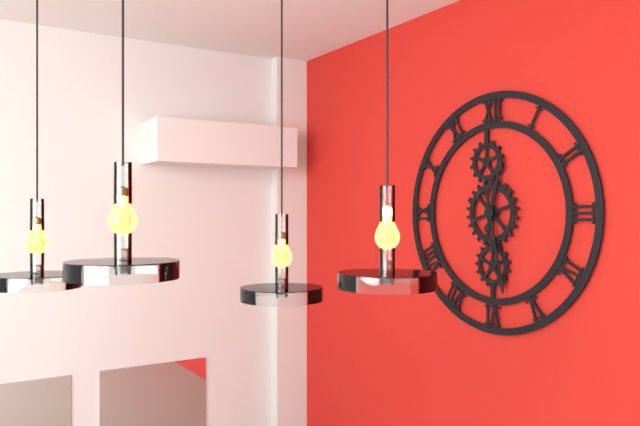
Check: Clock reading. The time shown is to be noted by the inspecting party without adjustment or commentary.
12:28
